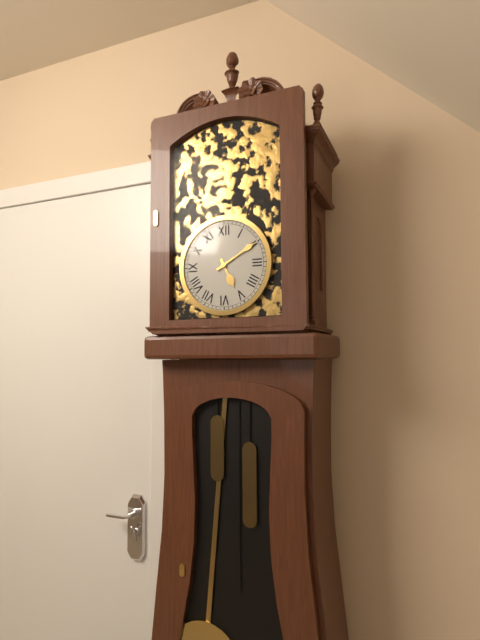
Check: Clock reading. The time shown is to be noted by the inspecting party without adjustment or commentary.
5:10
